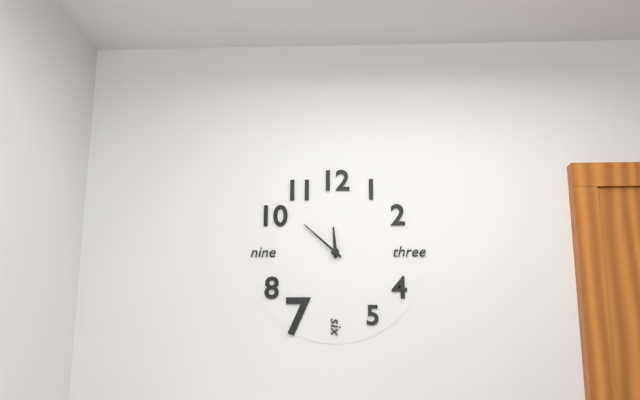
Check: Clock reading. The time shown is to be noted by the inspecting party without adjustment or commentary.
11:52
